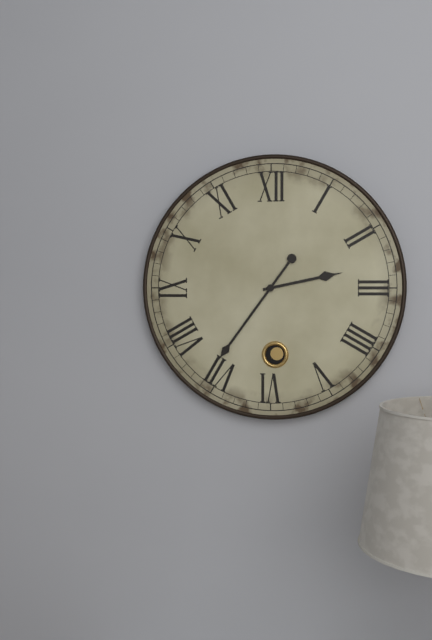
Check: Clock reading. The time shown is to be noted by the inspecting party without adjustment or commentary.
2:36
